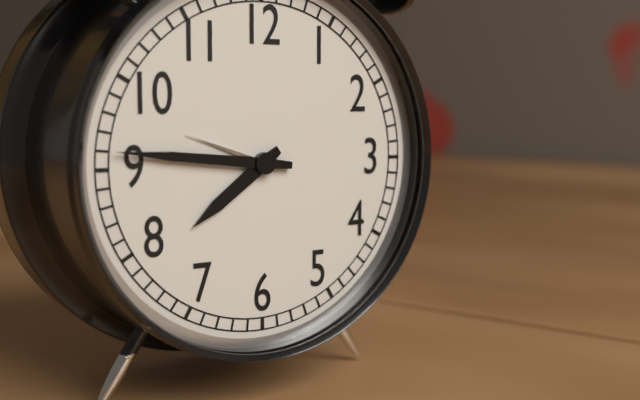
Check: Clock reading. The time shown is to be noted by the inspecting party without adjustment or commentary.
7:46
